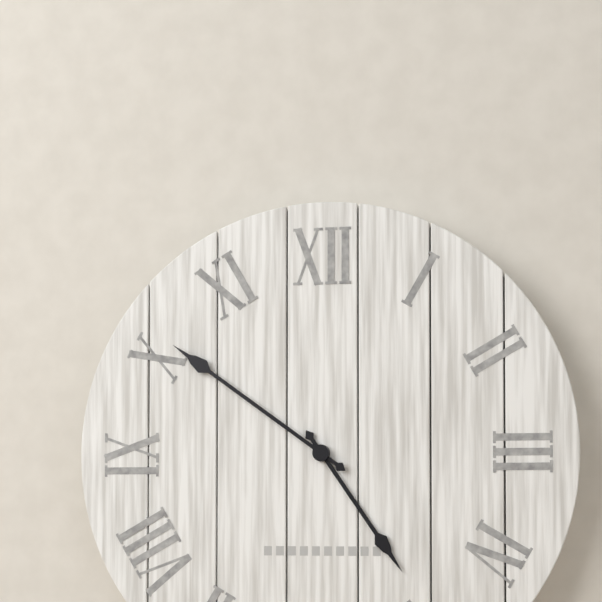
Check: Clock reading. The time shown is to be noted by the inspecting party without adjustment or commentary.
4:51
